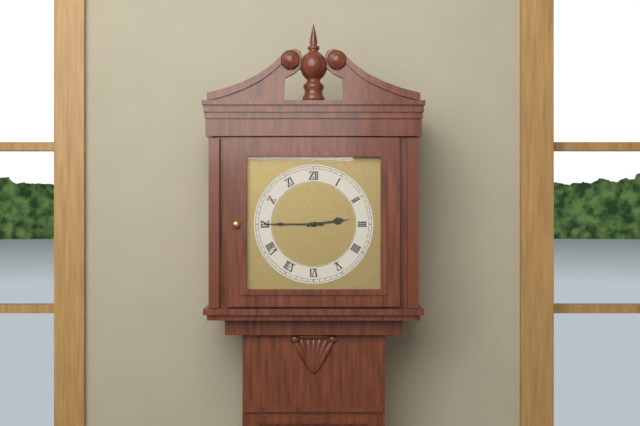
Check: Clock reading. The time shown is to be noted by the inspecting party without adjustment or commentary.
2:45
